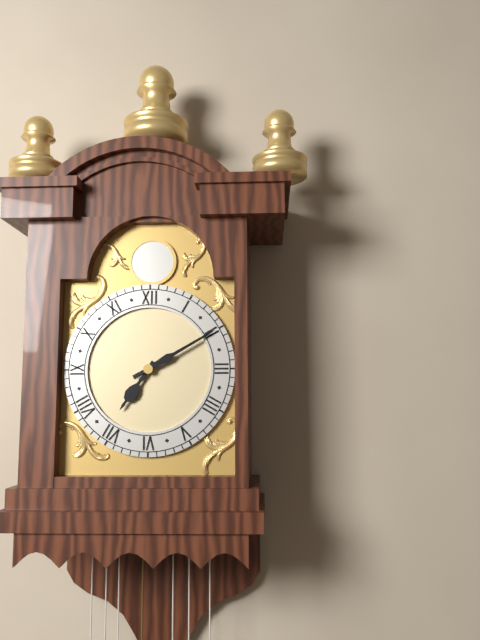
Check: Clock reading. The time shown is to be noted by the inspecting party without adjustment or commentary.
7:10
